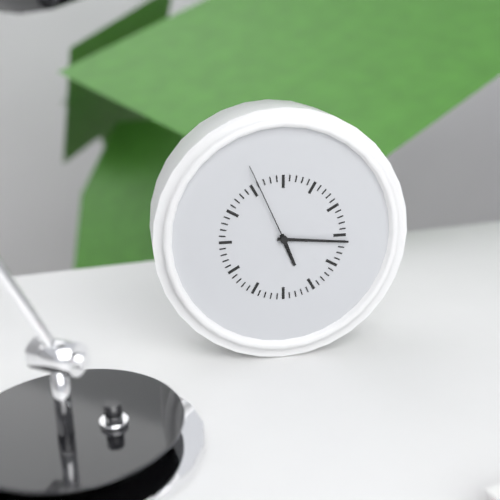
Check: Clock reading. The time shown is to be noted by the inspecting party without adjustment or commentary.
5:16:56
